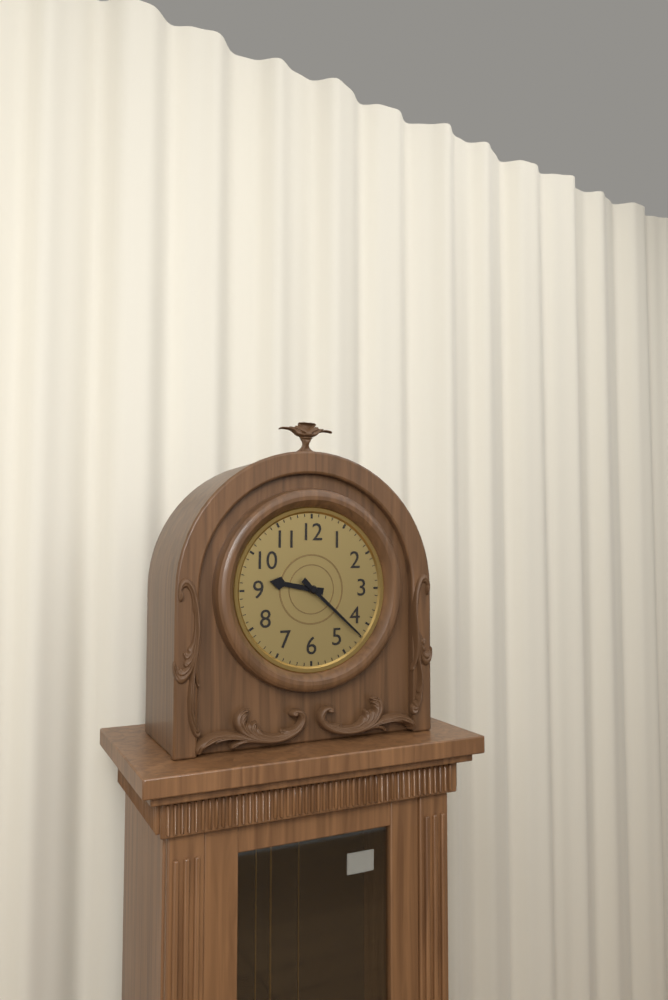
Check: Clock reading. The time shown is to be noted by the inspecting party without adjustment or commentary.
9:22
